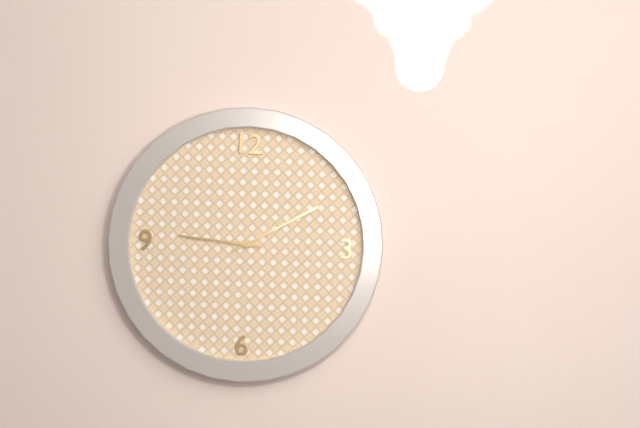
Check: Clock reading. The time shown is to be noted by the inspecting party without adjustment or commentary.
9:10
